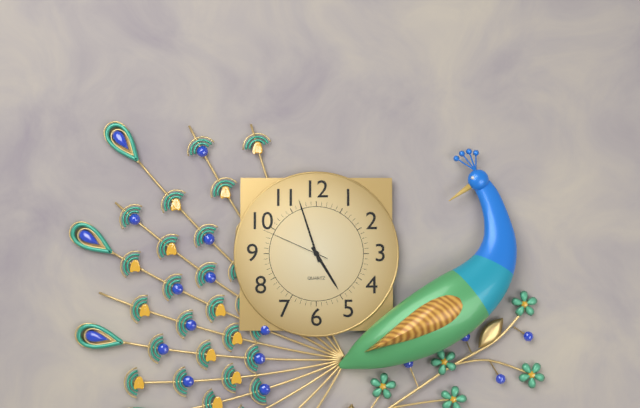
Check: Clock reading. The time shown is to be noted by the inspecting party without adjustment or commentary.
4:57:49
